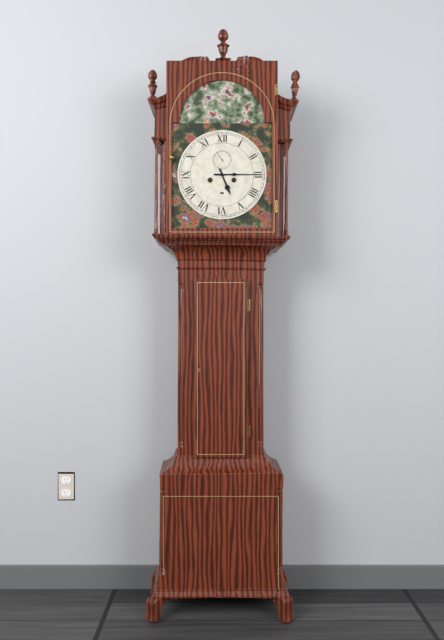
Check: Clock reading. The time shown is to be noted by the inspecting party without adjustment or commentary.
5:15
